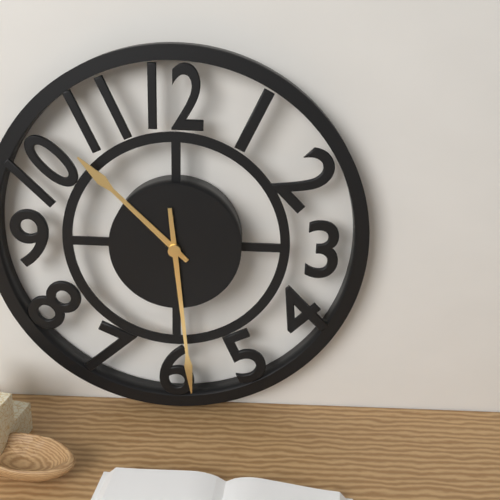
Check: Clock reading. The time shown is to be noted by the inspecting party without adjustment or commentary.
10:29
